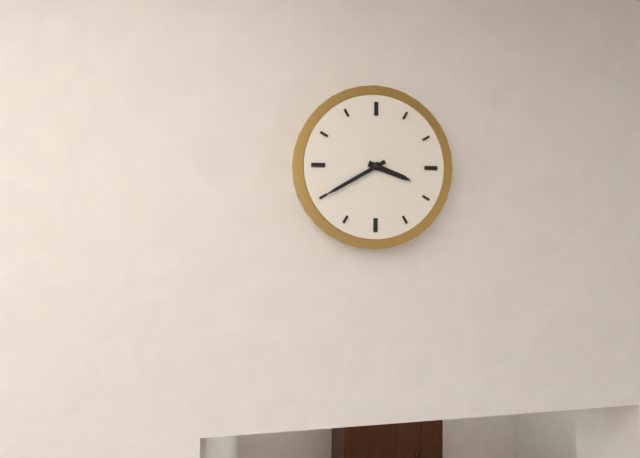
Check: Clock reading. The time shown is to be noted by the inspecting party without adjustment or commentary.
3:40
